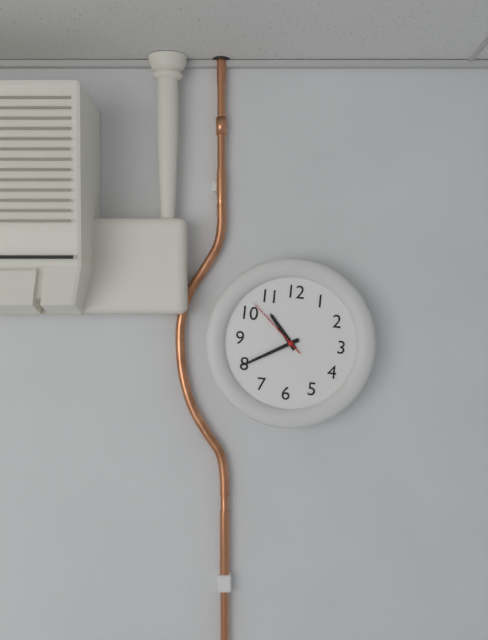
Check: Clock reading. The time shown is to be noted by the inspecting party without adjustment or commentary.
10:40:52
